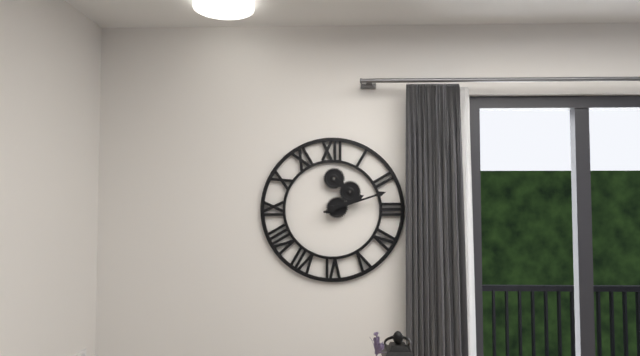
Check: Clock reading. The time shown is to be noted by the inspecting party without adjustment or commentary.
2:12
